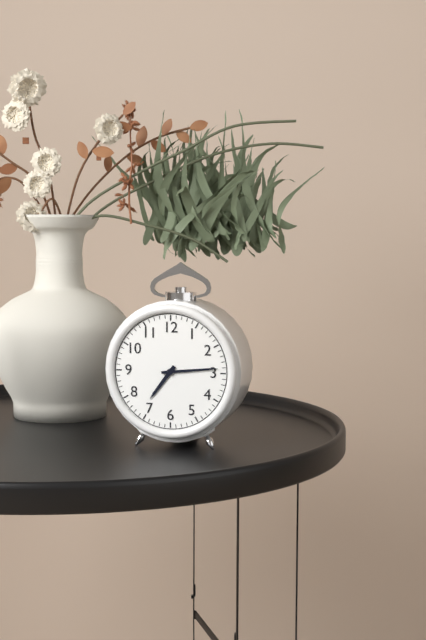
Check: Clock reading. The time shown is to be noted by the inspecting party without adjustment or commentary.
7:14
